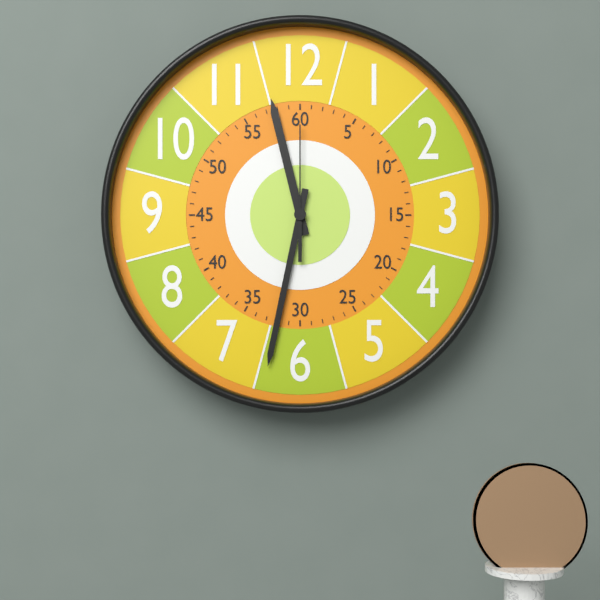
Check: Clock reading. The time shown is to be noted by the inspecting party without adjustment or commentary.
11:32:00
